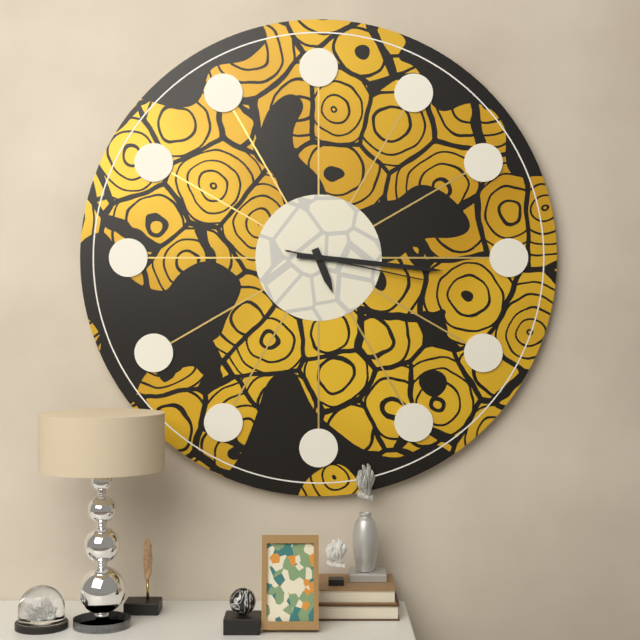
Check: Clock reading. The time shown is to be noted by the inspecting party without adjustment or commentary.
5:16:17
